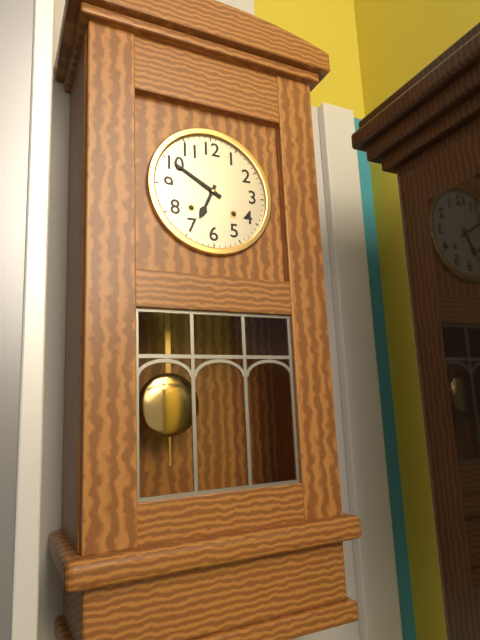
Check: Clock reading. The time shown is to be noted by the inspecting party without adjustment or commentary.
6:50
